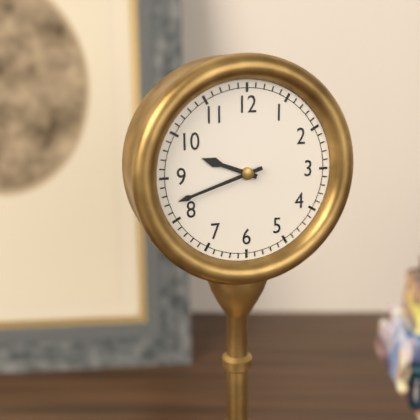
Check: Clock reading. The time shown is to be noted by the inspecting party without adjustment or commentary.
9:42
